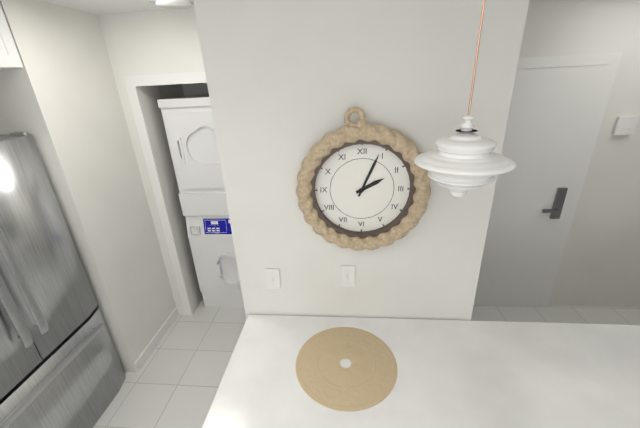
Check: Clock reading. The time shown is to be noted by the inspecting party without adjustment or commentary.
2:04
